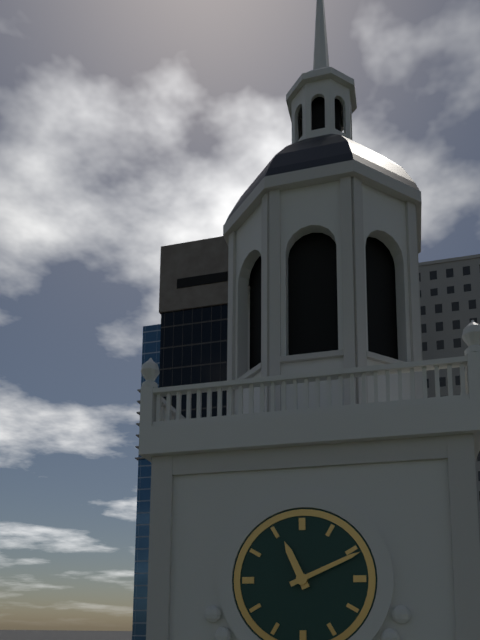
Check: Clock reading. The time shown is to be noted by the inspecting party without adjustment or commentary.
11:11
